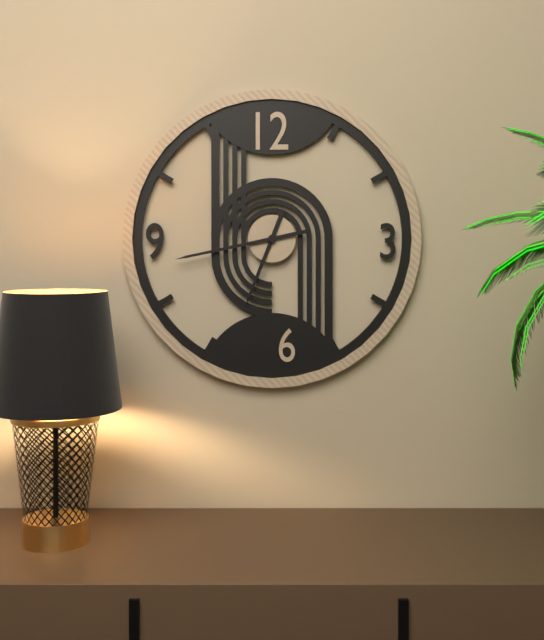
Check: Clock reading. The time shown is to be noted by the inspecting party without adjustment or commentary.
6:43
